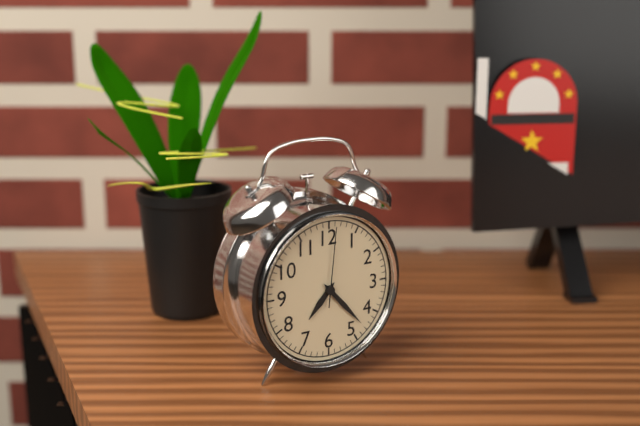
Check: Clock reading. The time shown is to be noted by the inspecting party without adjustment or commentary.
7:23:01
